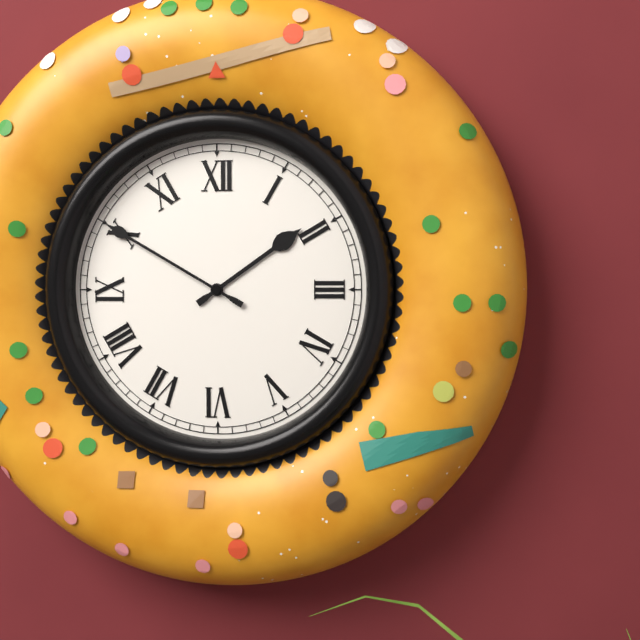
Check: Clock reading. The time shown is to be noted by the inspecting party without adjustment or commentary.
1:50
